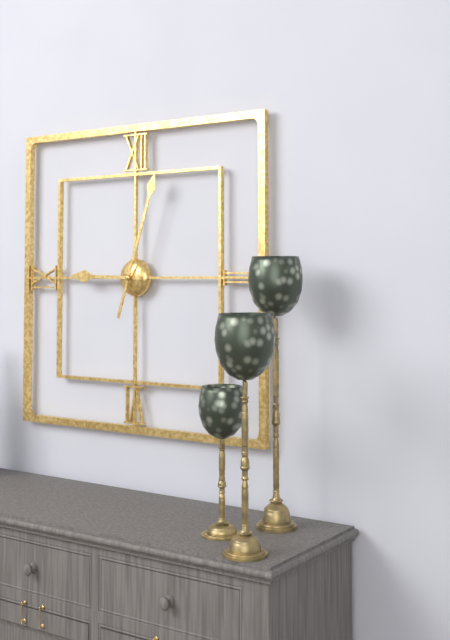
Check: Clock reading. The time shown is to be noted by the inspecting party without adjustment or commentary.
9:03
